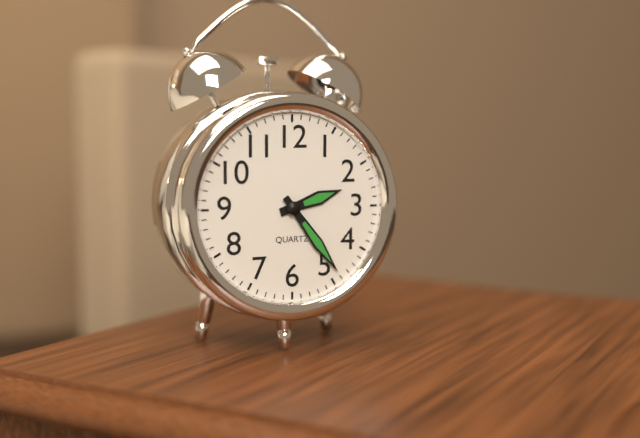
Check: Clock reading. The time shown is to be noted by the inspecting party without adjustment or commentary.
2:24
